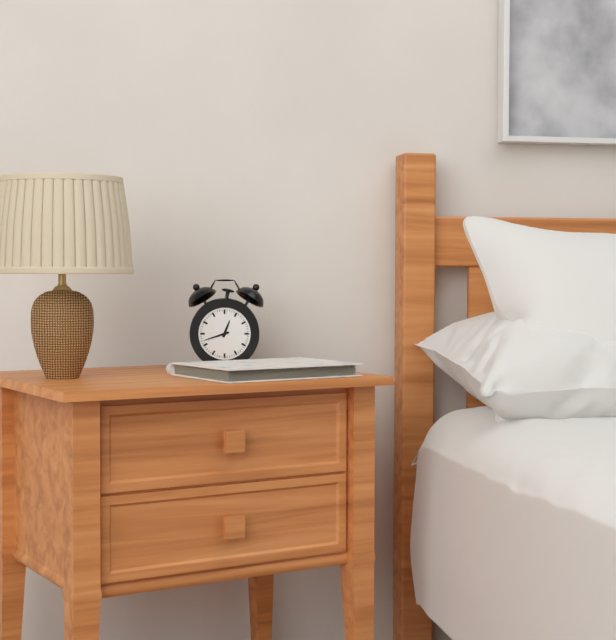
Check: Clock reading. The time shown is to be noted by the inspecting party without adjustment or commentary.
12:42
